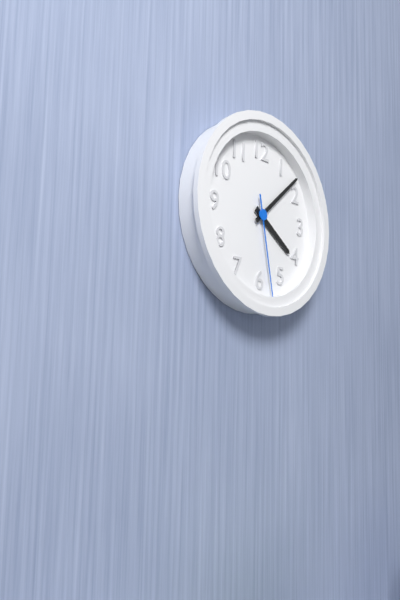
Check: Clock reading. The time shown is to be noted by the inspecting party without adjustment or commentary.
4:08:28
